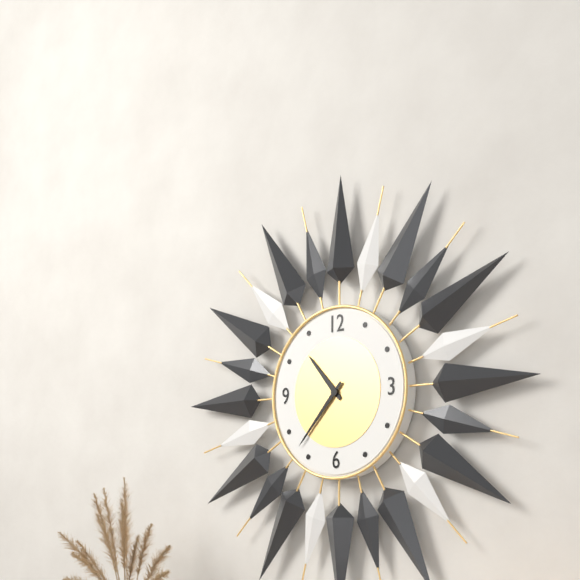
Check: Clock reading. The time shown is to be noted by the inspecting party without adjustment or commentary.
10:37
